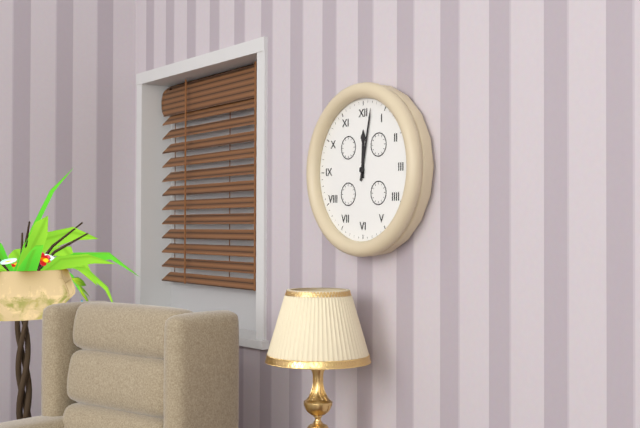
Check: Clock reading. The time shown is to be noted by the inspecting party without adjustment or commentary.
12:02
